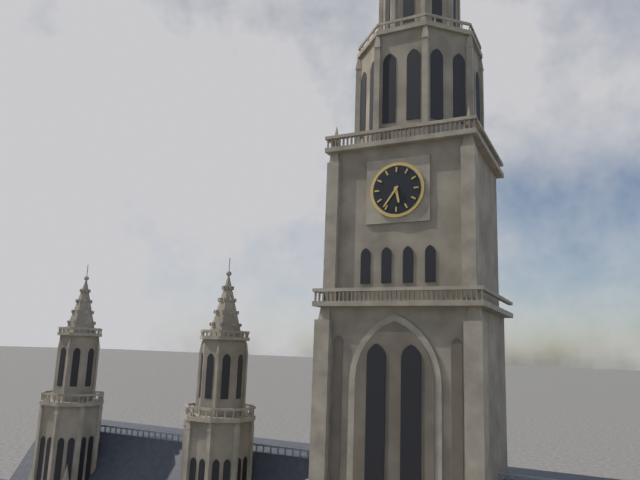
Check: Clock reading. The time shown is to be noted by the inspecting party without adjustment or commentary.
5:36
